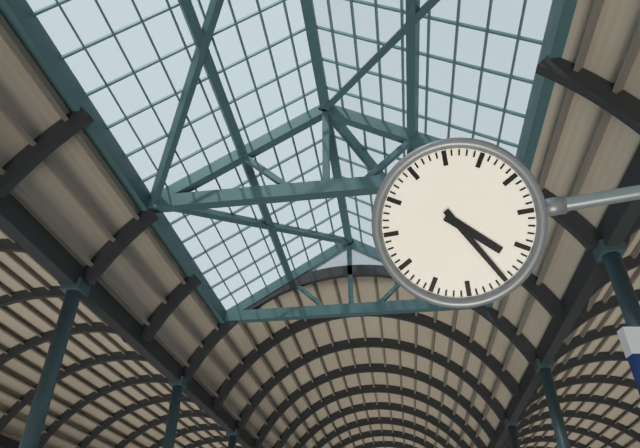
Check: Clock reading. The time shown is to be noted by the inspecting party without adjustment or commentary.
4:25
